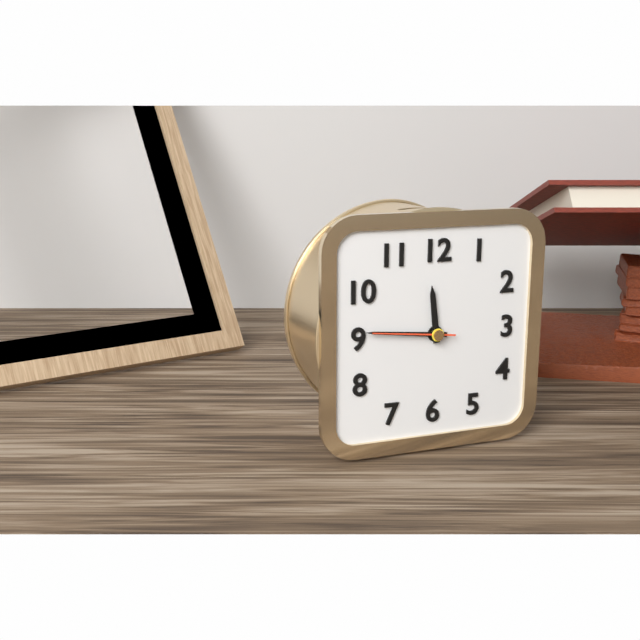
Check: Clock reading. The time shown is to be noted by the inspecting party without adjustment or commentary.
11:46:46
